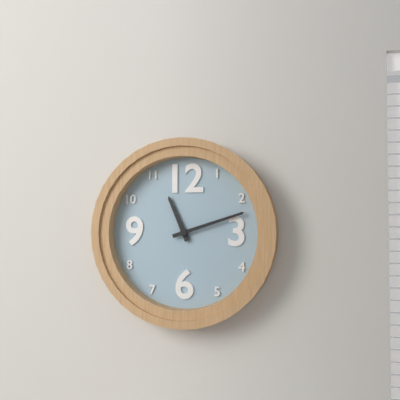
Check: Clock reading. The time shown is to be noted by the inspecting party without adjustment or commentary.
11:12
